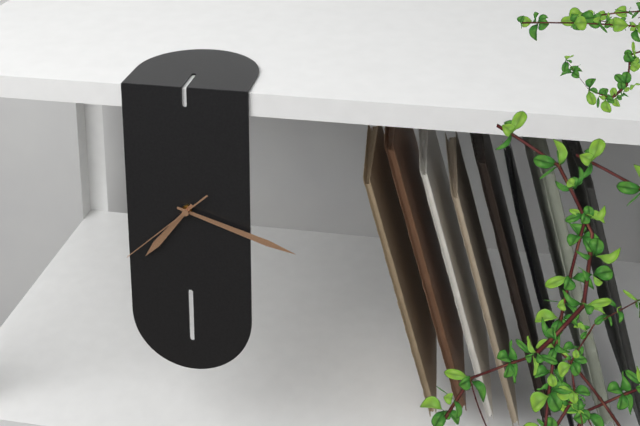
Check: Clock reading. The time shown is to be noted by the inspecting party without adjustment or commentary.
7:18:38
